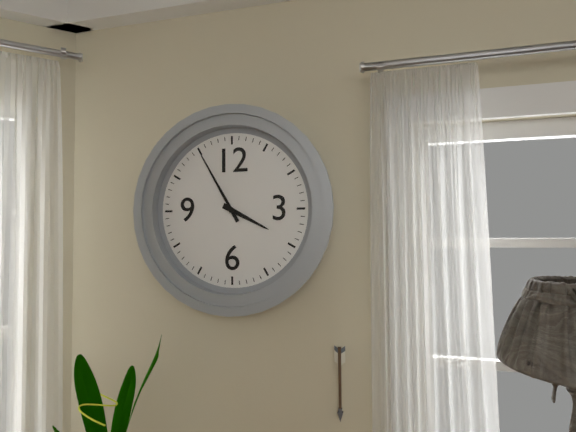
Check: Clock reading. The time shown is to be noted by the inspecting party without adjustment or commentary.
3:55
